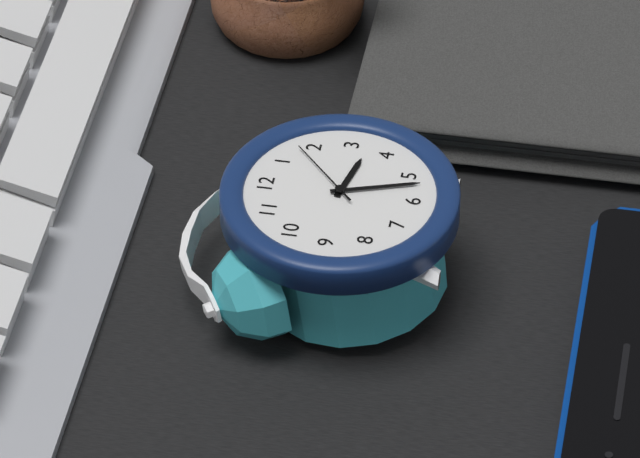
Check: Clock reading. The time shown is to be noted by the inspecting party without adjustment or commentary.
3:27:08
